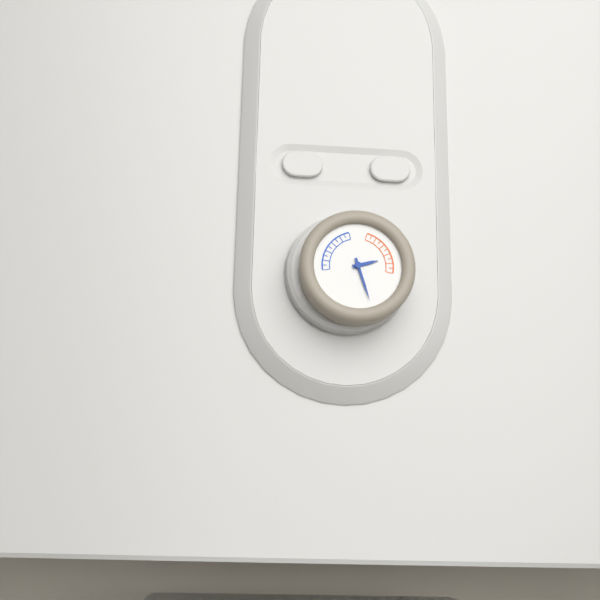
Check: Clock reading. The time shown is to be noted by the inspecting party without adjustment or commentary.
2:27
